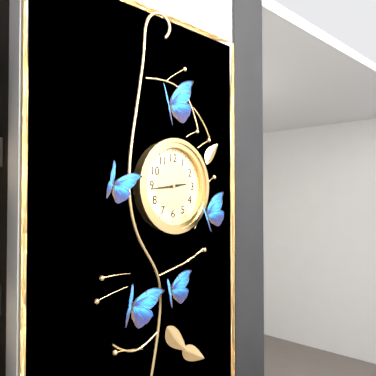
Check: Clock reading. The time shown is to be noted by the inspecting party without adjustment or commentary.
2:44
